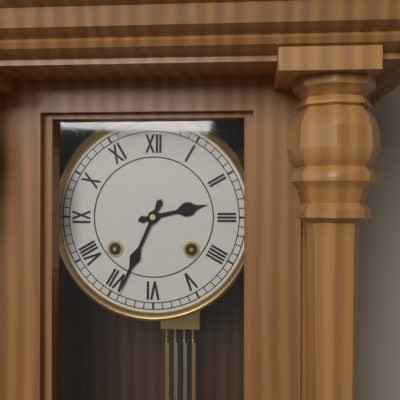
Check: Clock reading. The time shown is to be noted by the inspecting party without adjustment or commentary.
2:34
